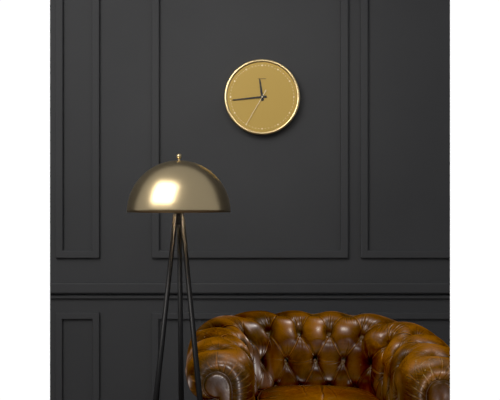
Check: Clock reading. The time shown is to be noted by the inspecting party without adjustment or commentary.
11:44
